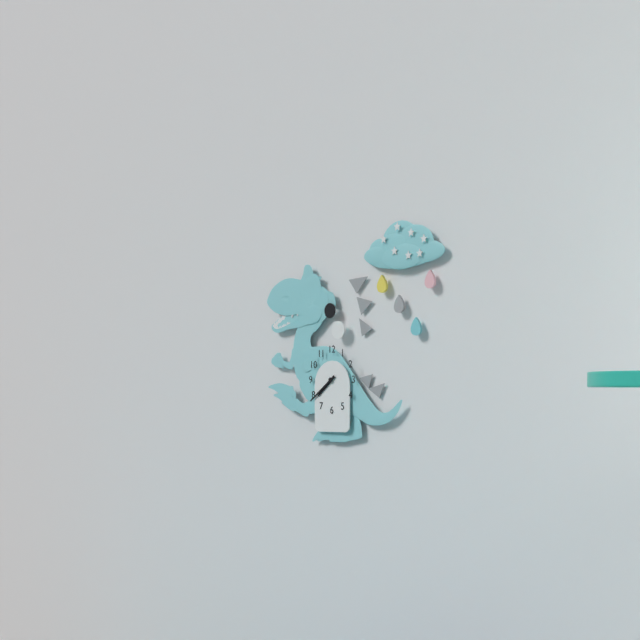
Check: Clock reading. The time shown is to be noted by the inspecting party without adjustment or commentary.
7:39
